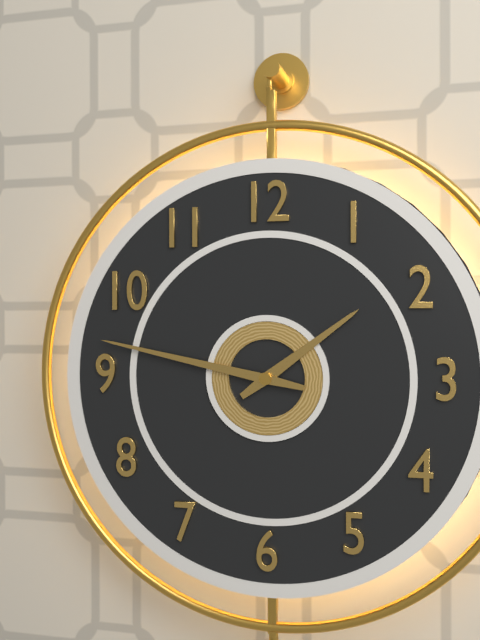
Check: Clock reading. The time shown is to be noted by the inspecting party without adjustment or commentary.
1:47
